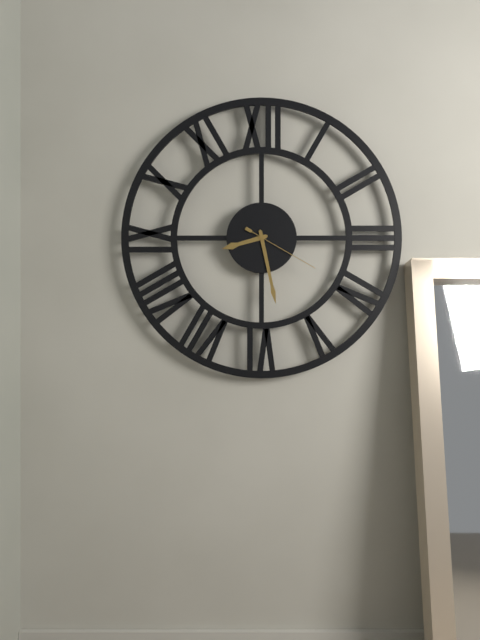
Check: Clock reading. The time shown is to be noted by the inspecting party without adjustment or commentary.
8:28:20
